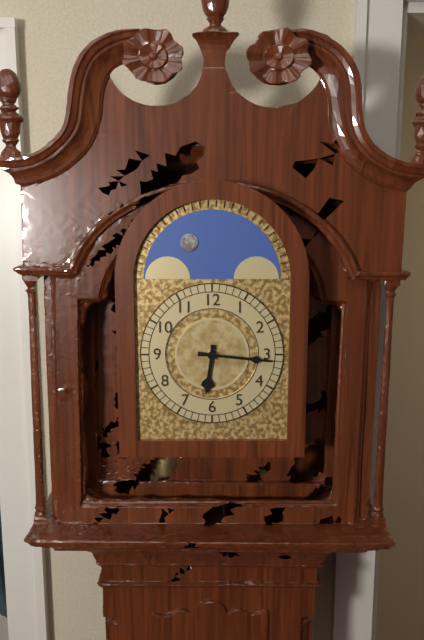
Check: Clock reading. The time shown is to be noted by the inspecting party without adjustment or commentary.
6:16
